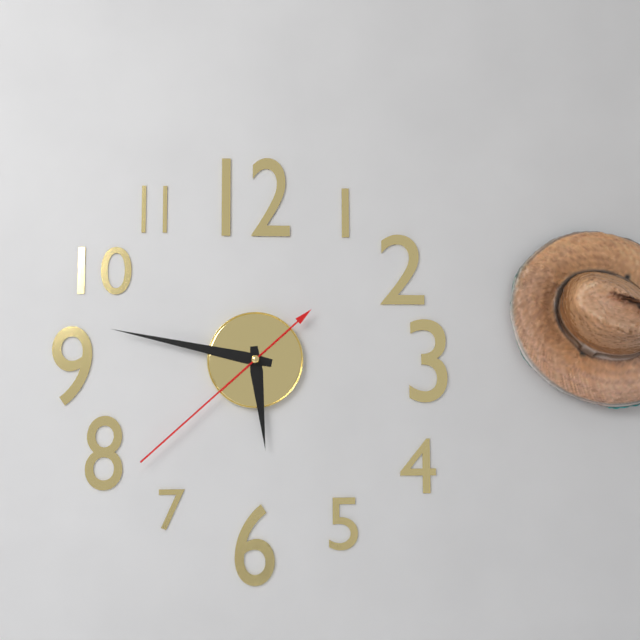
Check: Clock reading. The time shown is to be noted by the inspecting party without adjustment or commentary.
5:47:38
